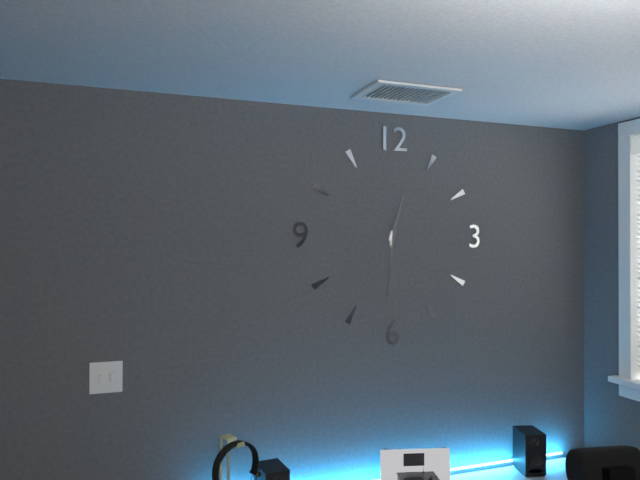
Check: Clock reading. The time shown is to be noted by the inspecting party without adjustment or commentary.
12:31
